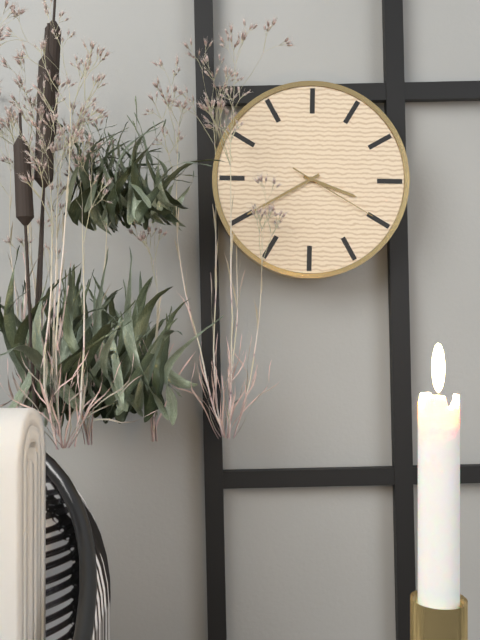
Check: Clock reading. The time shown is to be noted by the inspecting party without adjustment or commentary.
3:40:20
